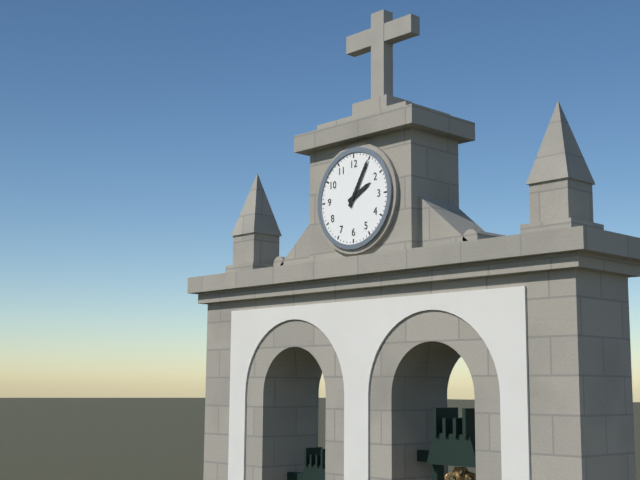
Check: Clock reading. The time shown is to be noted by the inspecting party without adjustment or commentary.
2:05
